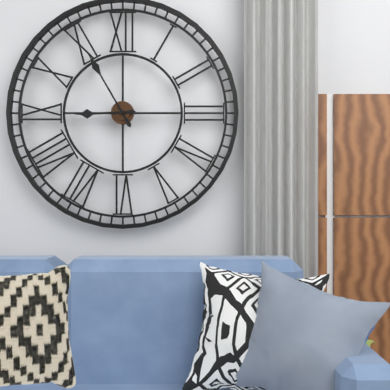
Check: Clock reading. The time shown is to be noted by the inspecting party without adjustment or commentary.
8:55
